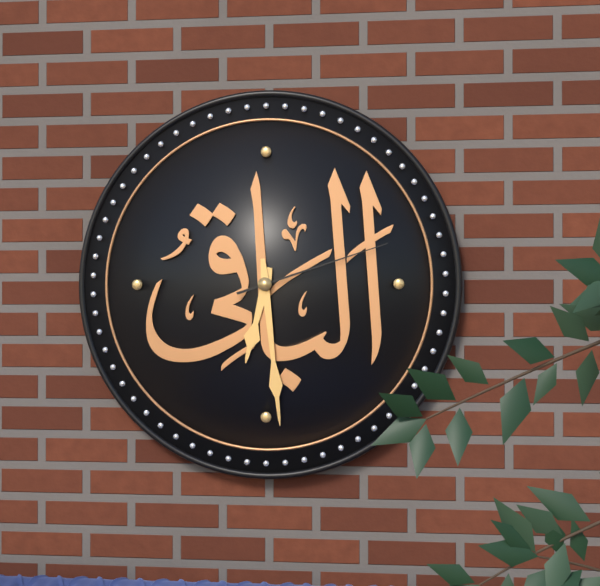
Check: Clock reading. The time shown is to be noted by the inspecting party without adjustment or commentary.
6:29:12
